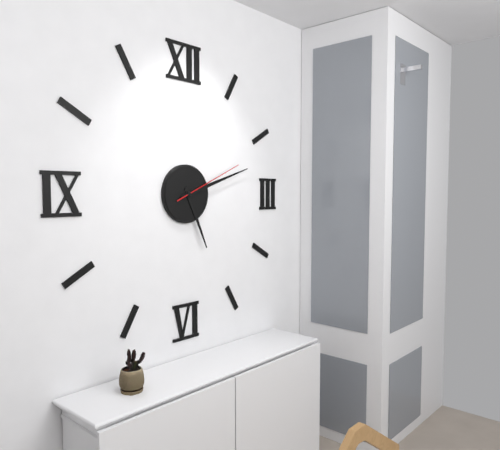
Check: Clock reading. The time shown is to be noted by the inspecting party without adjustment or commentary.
5:12:11
